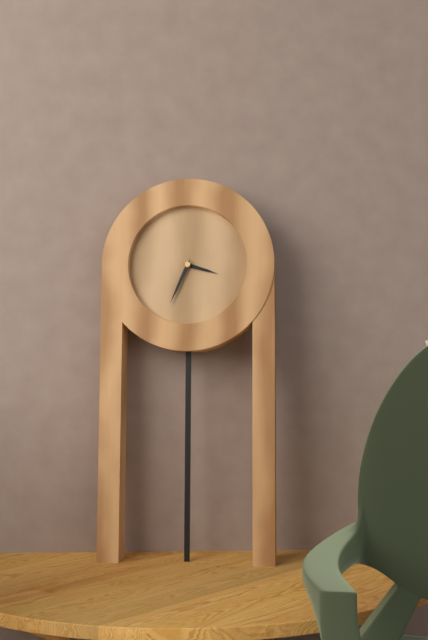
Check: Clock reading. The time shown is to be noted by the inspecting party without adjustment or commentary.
3:34
